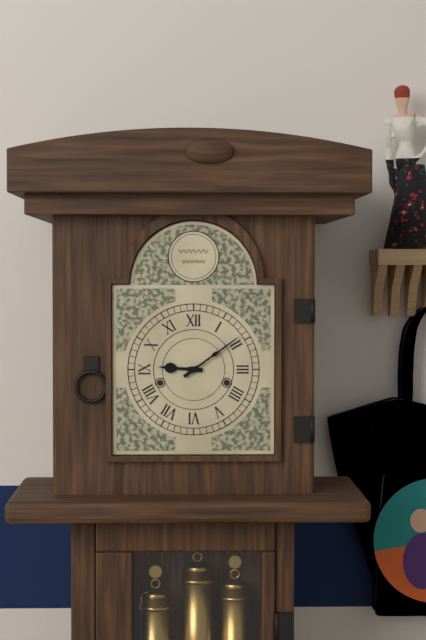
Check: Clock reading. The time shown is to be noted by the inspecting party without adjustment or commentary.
9:09
